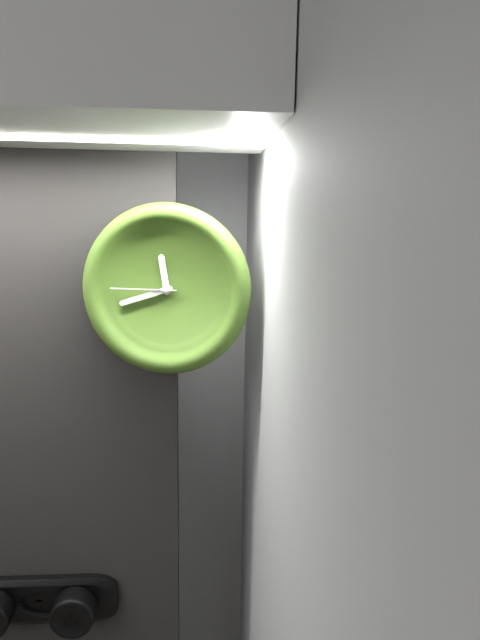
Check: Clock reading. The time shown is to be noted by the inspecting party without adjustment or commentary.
11:42:45
